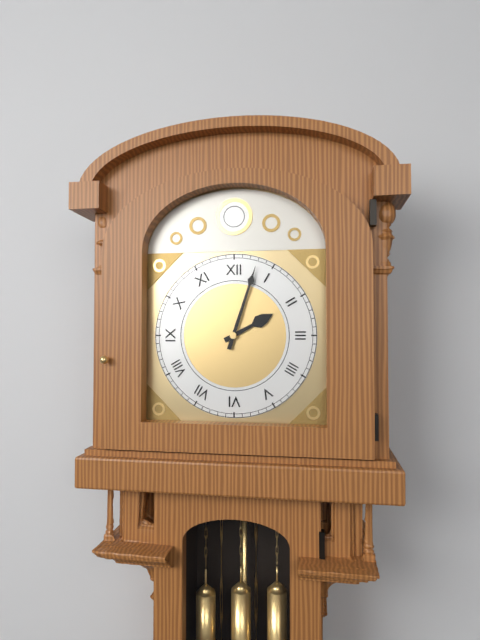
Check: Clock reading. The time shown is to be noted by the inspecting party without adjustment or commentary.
2:03
